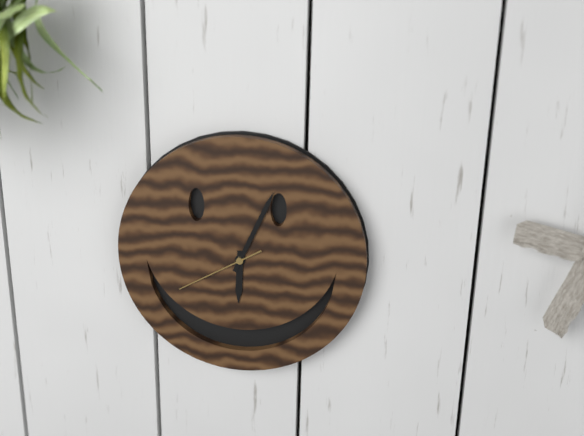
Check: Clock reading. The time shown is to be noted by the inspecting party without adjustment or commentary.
6:04:40
